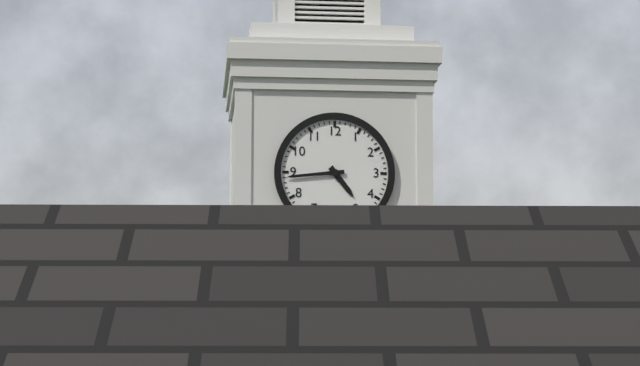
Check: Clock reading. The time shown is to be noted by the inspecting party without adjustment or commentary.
4:44
